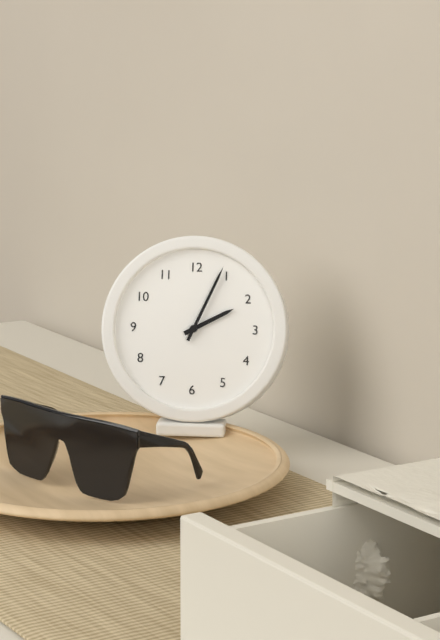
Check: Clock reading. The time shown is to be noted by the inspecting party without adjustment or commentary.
2:04
